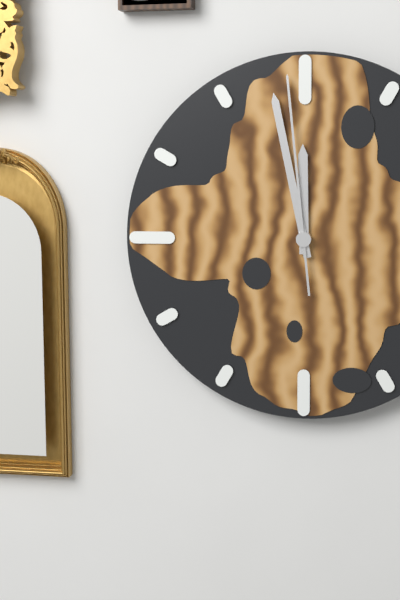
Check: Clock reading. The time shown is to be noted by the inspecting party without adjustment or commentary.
11:58:59
